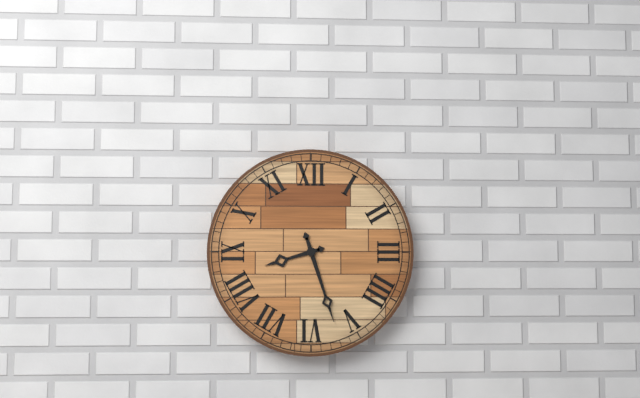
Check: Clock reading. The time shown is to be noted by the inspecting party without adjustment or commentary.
8:27
